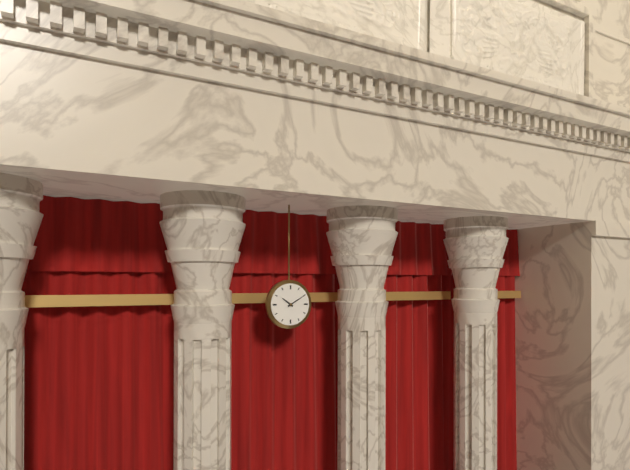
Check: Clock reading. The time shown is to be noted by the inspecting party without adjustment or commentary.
10:10
